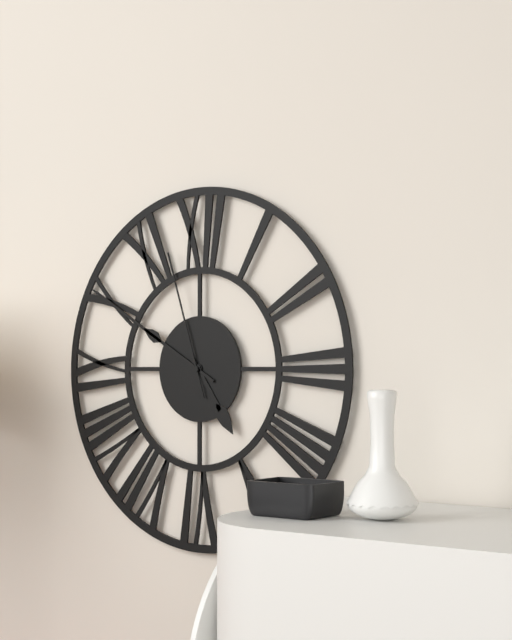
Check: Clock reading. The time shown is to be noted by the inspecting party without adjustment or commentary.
4:50:57
